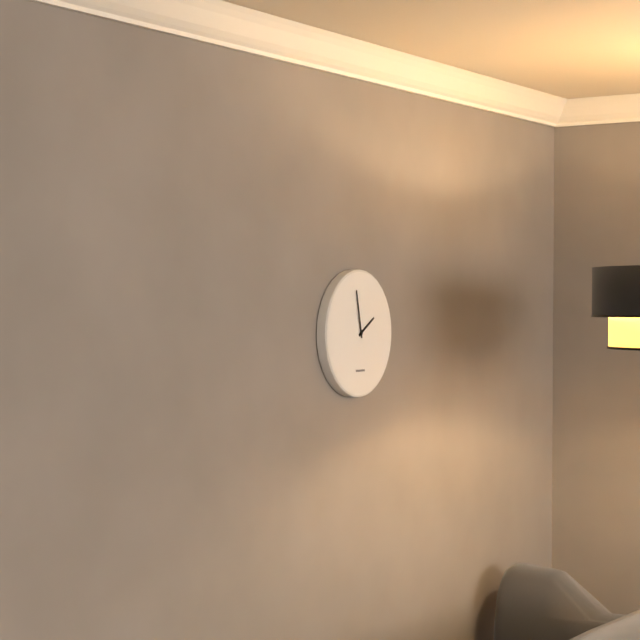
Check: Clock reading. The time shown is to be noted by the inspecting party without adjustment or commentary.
1:58
